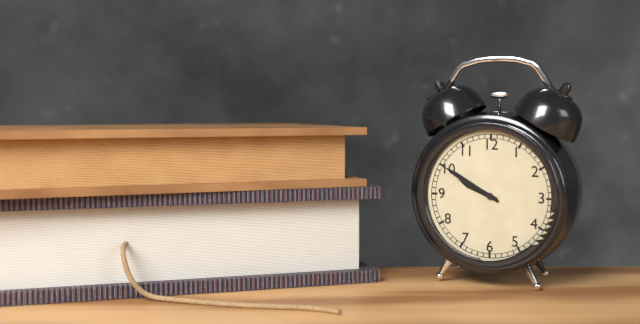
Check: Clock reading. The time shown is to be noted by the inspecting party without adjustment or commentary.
9:50
